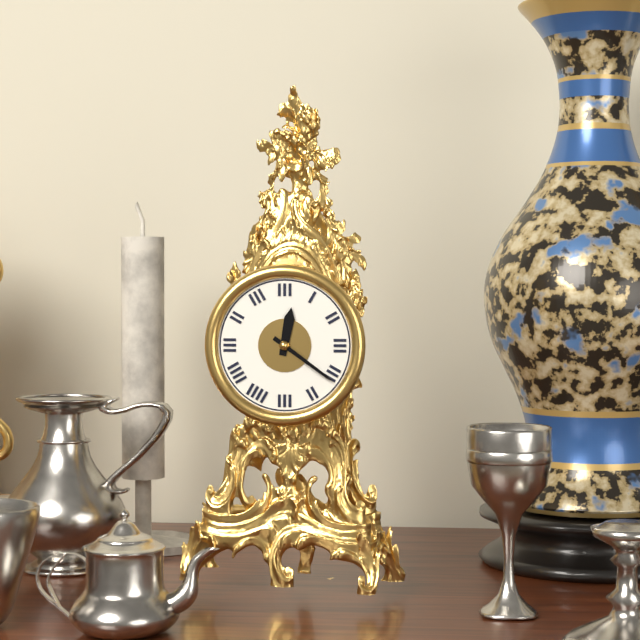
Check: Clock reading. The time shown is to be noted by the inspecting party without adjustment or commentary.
12:21
